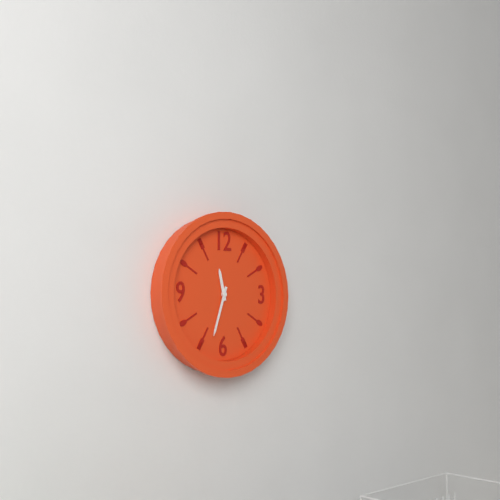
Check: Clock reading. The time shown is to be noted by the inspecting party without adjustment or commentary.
11:33
